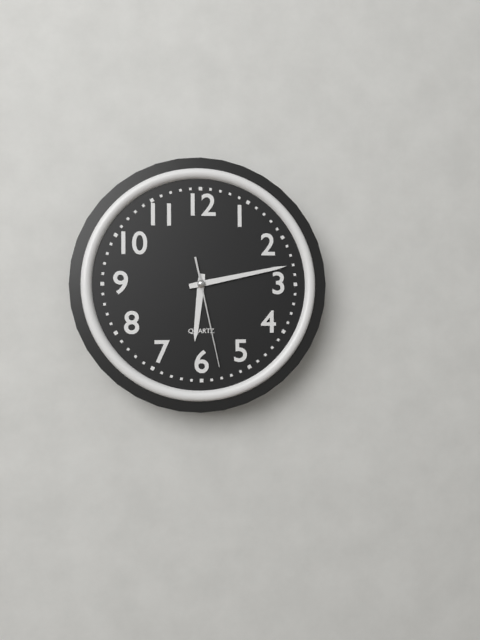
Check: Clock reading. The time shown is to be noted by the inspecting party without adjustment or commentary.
6:13:28
